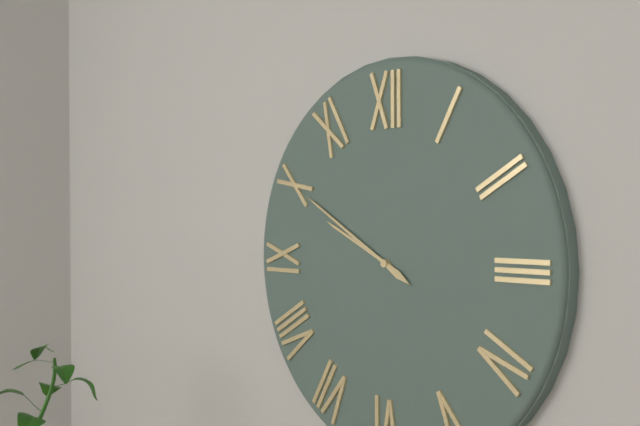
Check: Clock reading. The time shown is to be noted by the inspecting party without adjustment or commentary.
9:50
